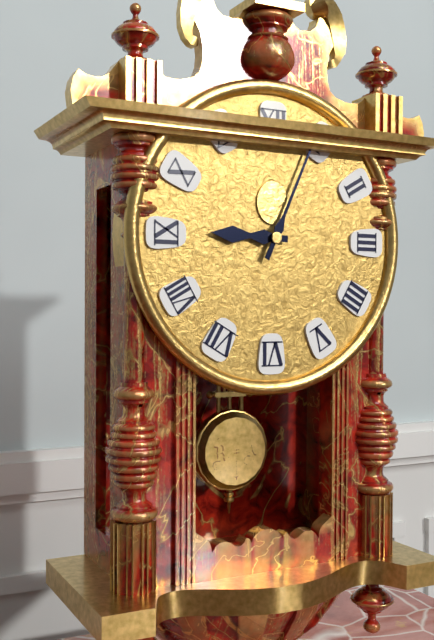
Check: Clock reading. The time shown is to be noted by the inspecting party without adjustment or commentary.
9:04
